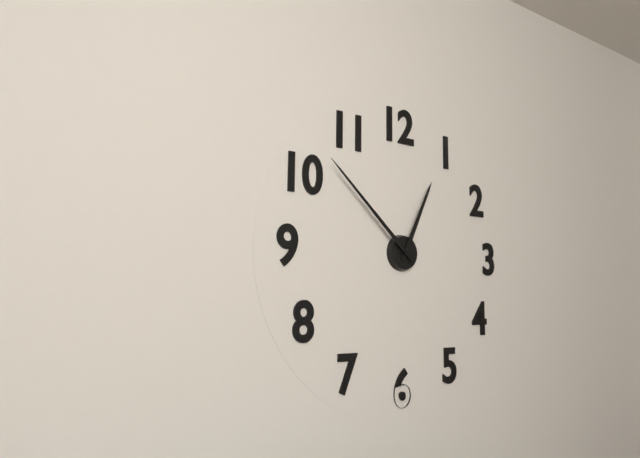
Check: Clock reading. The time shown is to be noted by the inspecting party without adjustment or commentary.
12:52
